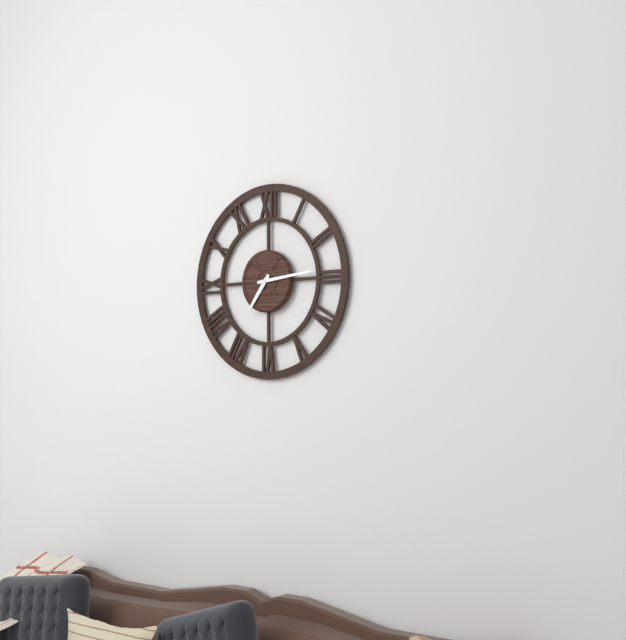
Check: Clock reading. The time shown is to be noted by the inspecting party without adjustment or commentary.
7:14
